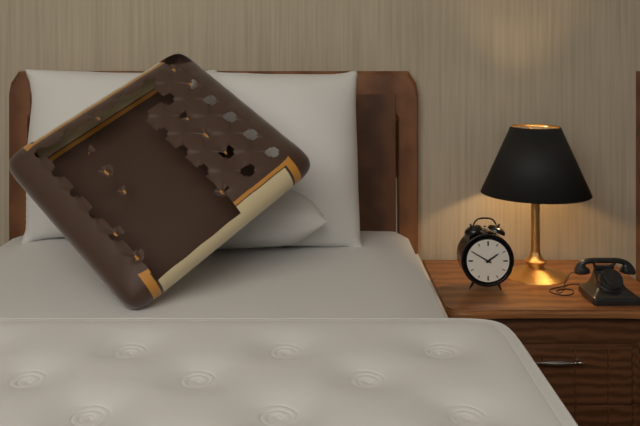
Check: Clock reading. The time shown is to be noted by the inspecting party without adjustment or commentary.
1:50
